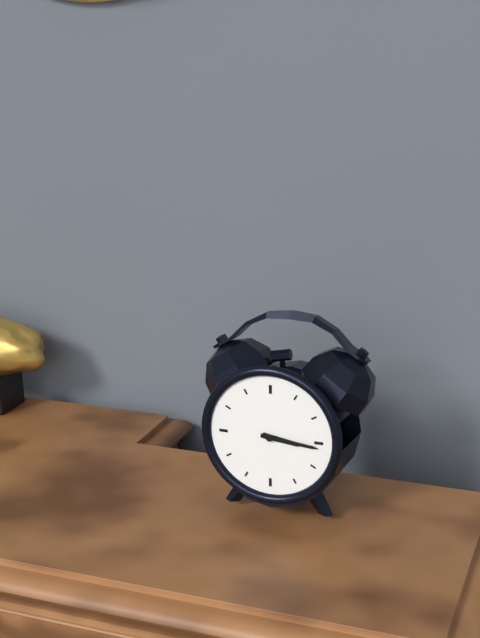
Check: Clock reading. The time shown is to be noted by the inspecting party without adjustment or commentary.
3:16
